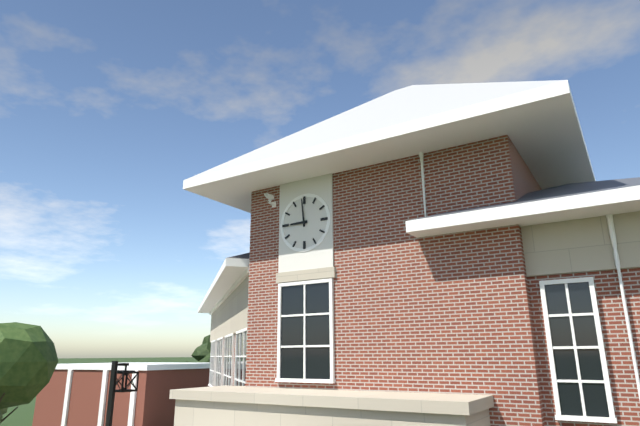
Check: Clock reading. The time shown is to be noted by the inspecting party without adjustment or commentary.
8:59
